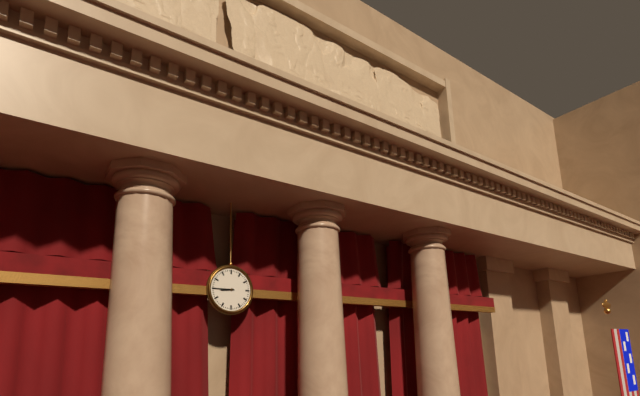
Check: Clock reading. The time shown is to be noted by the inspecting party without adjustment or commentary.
8:45
